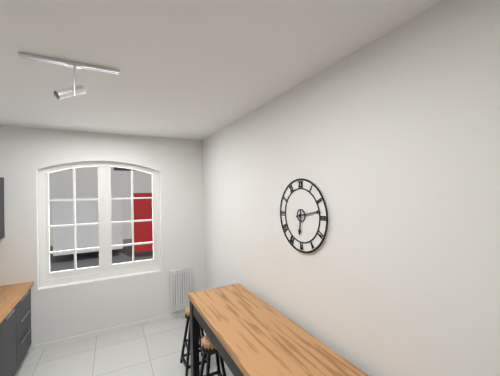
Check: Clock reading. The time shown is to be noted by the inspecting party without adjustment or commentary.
6:13
